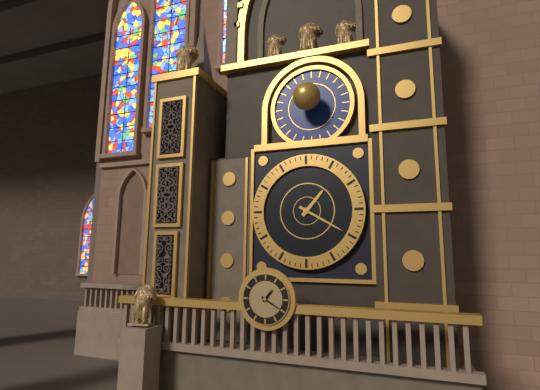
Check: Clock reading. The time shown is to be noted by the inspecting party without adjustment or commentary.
1:20
